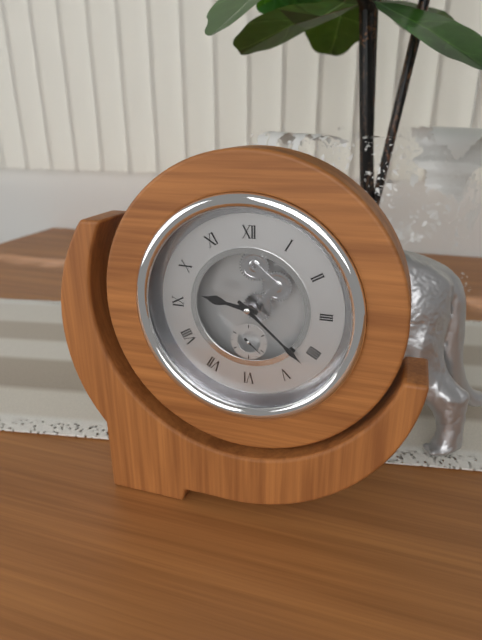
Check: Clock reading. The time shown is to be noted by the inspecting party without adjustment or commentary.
9:22
